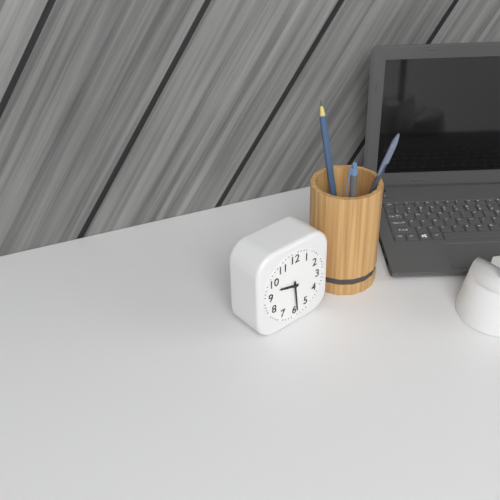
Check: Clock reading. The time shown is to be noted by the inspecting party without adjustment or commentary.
9:29
